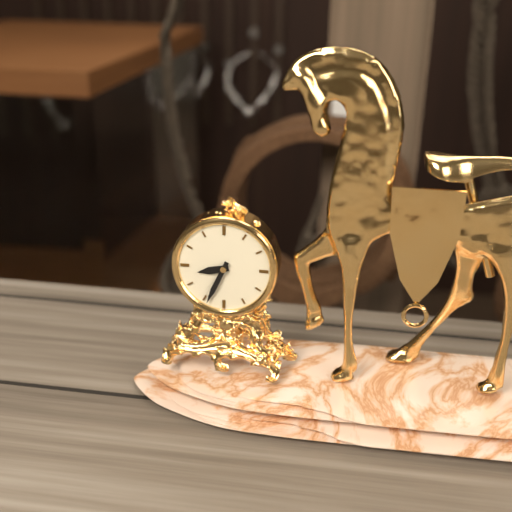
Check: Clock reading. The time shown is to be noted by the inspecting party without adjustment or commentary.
8:34
